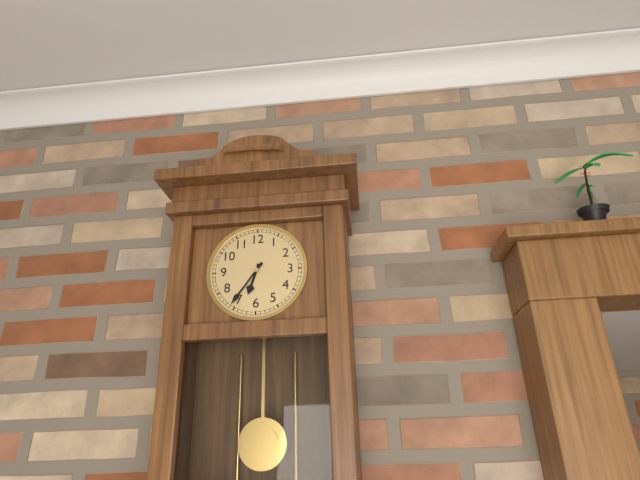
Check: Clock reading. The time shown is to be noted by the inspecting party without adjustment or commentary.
6:36
